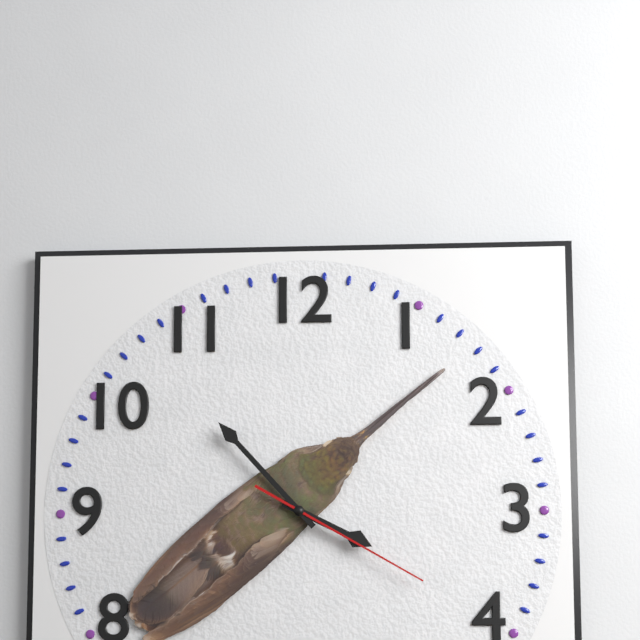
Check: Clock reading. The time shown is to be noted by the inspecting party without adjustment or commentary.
3:53:20
